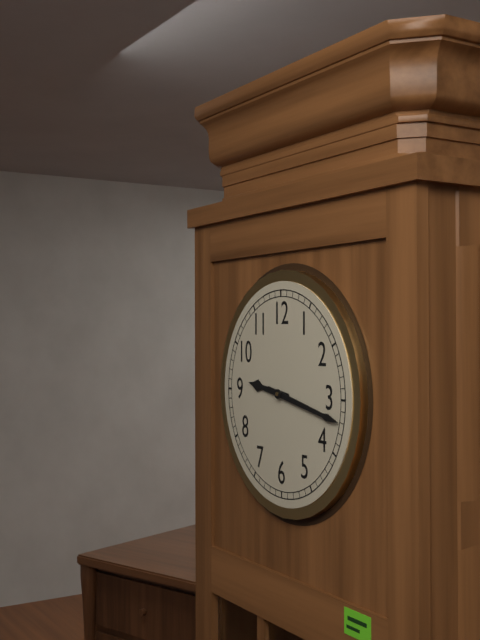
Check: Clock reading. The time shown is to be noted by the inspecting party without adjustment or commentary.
9:17
